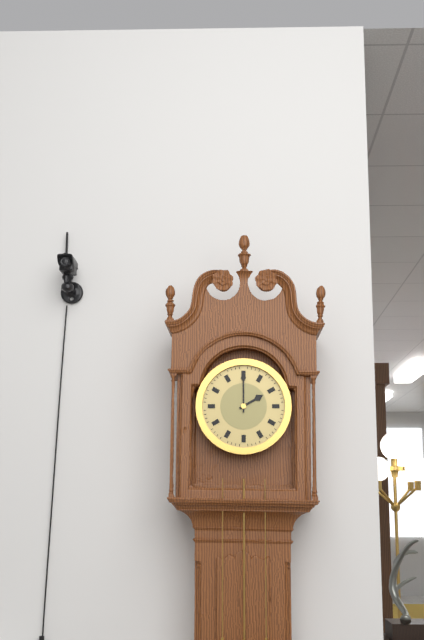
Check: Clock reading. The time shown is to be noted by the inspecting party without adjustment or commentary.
2:00
